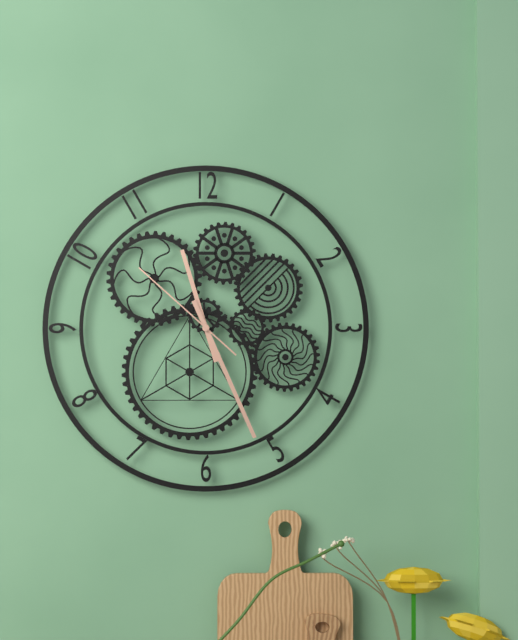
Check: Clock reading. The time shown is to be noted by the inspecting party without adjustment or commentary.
11:26:52
